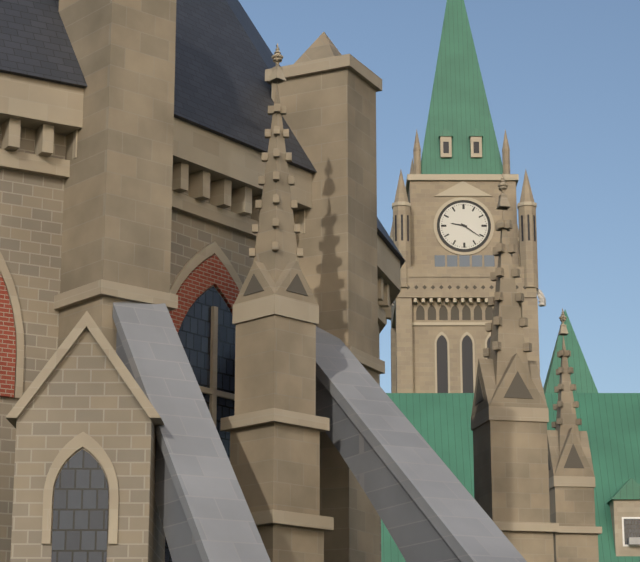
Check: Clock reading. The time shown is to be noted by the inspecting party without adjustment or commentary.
9:21
